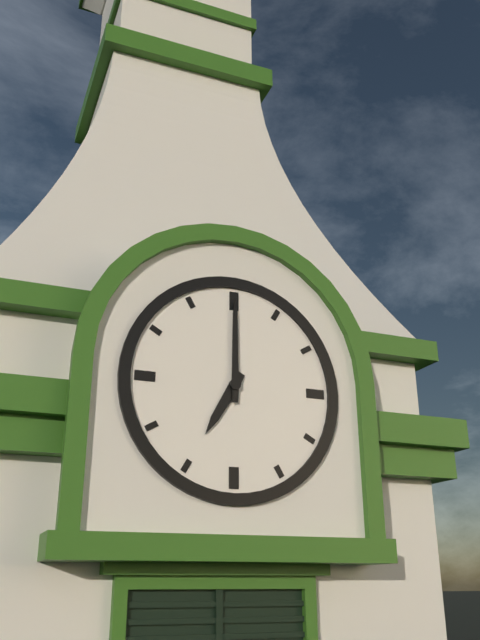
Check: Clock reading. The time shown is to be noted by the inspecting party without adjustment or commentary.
7:00
